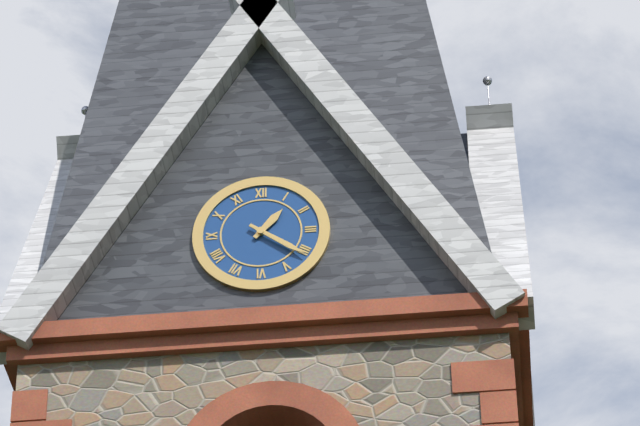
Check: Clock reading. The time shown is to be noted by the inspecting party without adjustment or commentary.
1:21
